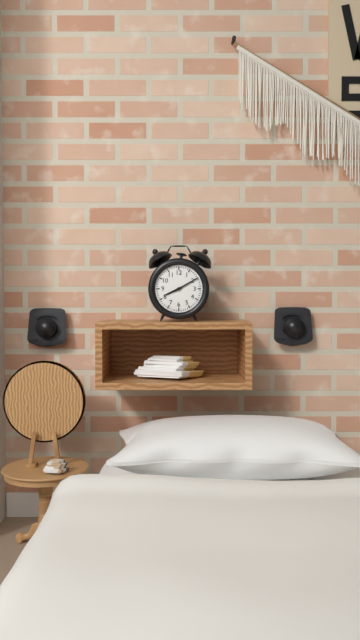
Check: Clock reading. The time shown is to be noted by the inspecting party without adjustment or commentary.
8:10
